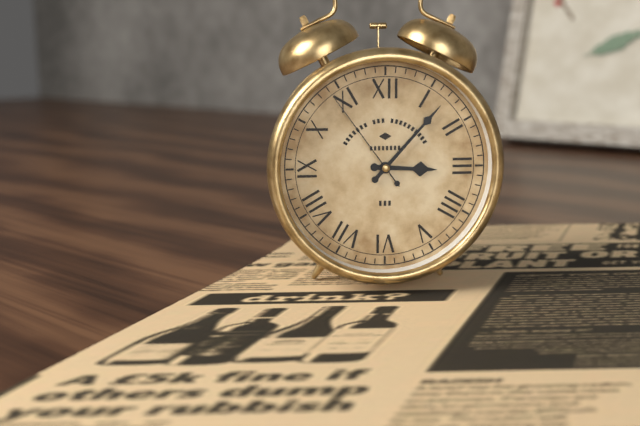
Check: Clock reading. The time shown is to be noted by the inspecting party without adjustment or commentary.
3:07:54
